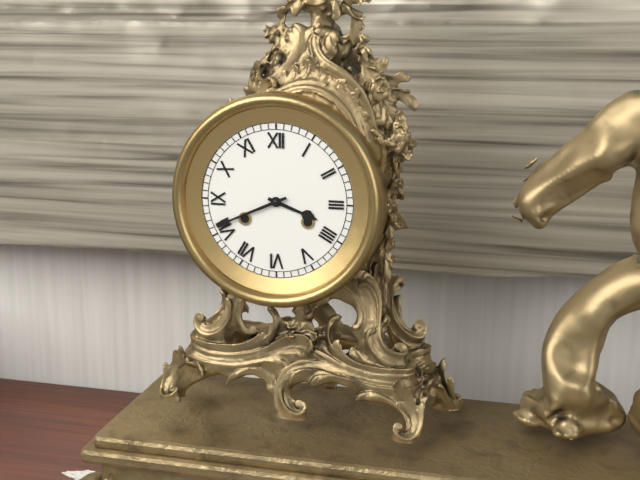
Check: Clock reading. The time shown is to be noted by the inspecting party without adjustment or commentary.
3:41
